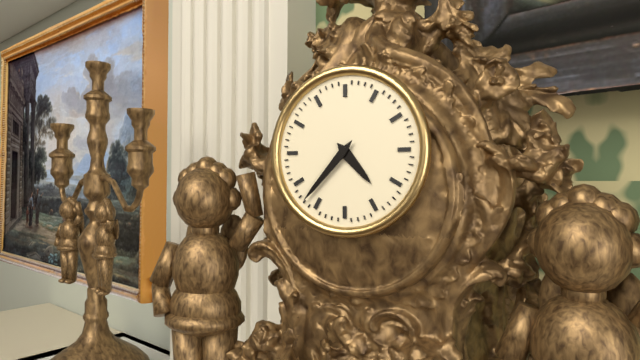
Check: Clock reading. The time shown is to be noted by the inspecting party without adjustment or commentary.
4:37
